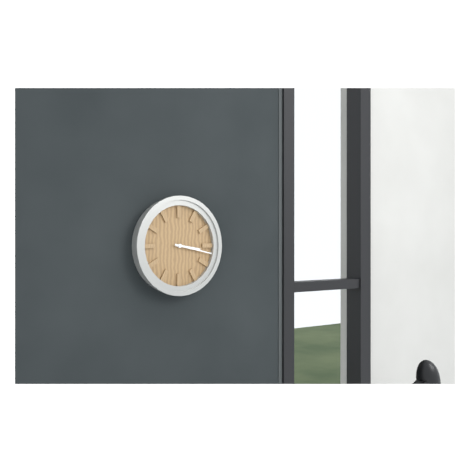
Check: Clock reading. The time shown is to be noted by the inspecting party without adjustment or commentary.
3:17
